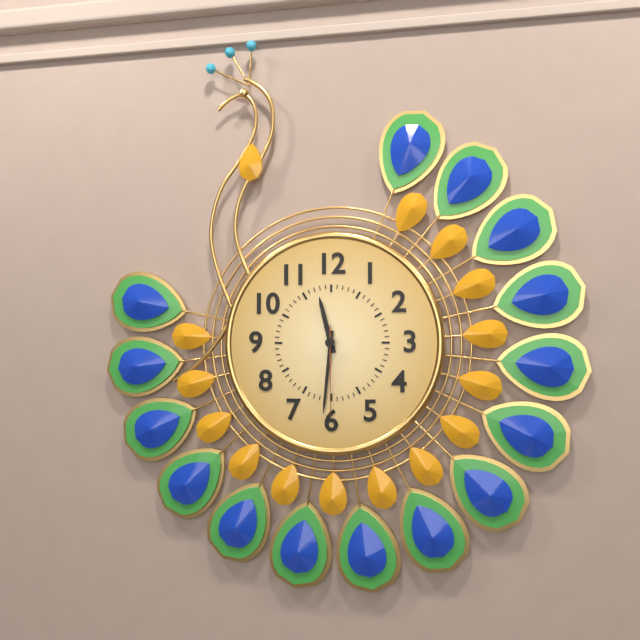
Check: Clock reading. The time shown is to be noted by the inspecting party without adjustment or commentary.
11:31:30
